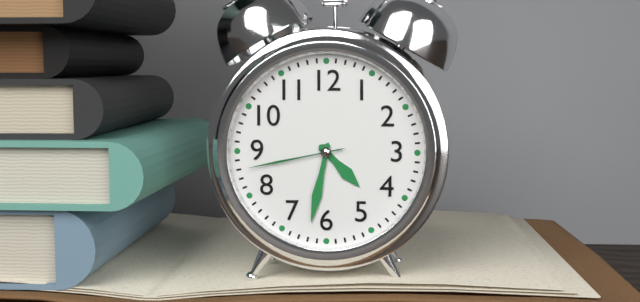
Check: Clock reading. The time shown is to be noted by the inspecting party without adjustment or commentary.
4:32:43
